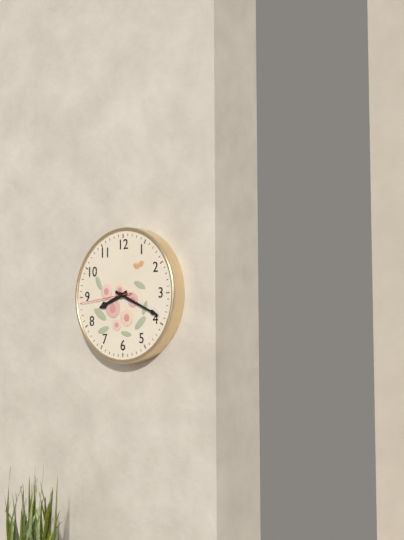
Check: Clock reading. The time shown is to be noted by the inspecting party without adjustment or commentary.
8:19:44
